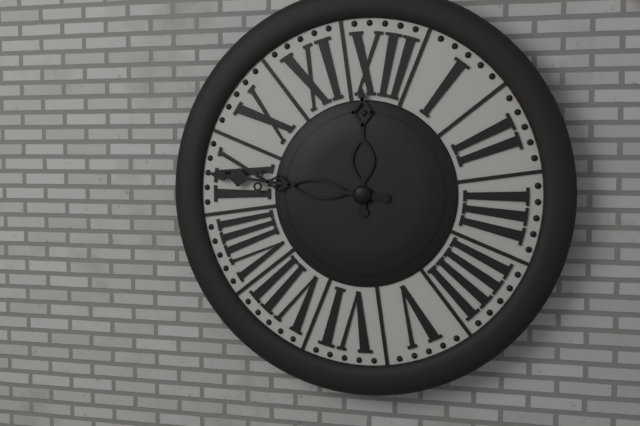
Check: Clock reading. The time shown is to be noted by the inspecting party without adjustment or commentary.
11:45
